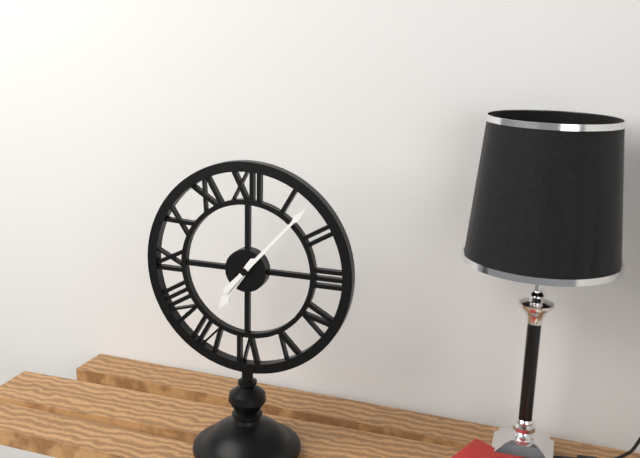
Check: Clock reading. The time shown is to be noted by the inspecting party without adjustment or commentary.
7:07
